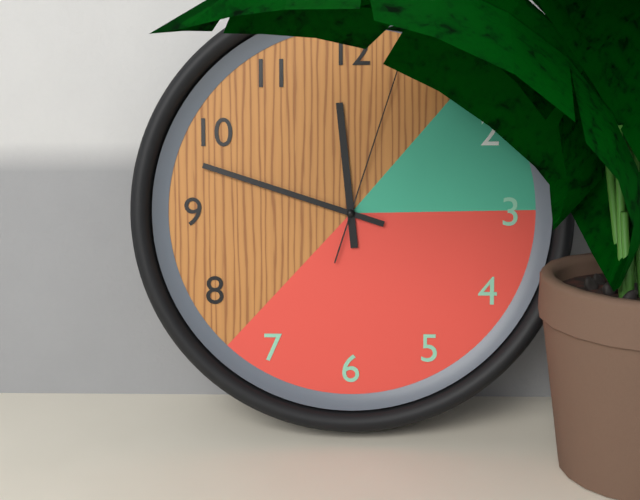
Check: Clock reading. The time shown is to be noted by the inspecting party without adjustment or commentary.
11:48:03
